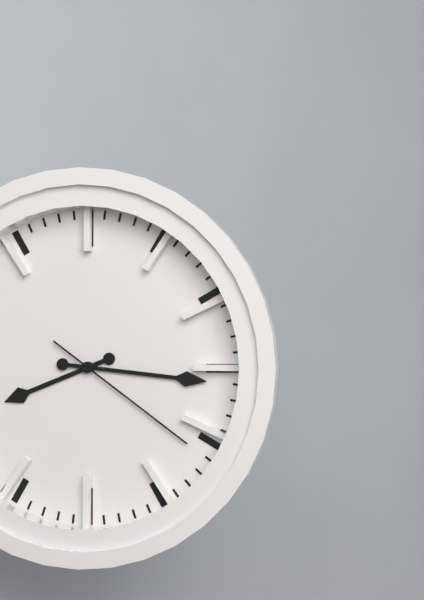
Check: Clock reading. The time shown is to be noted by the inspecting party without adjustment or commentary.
8:16:21
